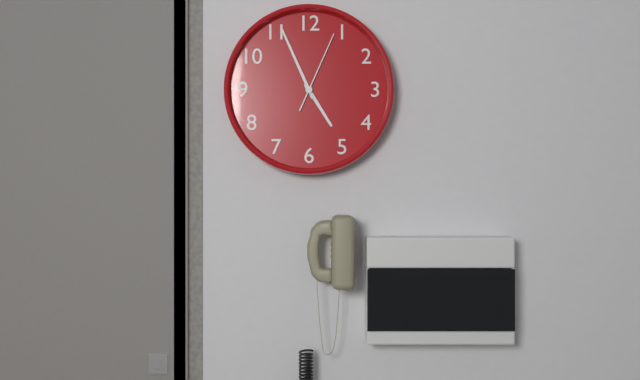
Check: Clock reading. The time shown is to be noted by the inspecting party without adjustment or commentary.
4:56:04
